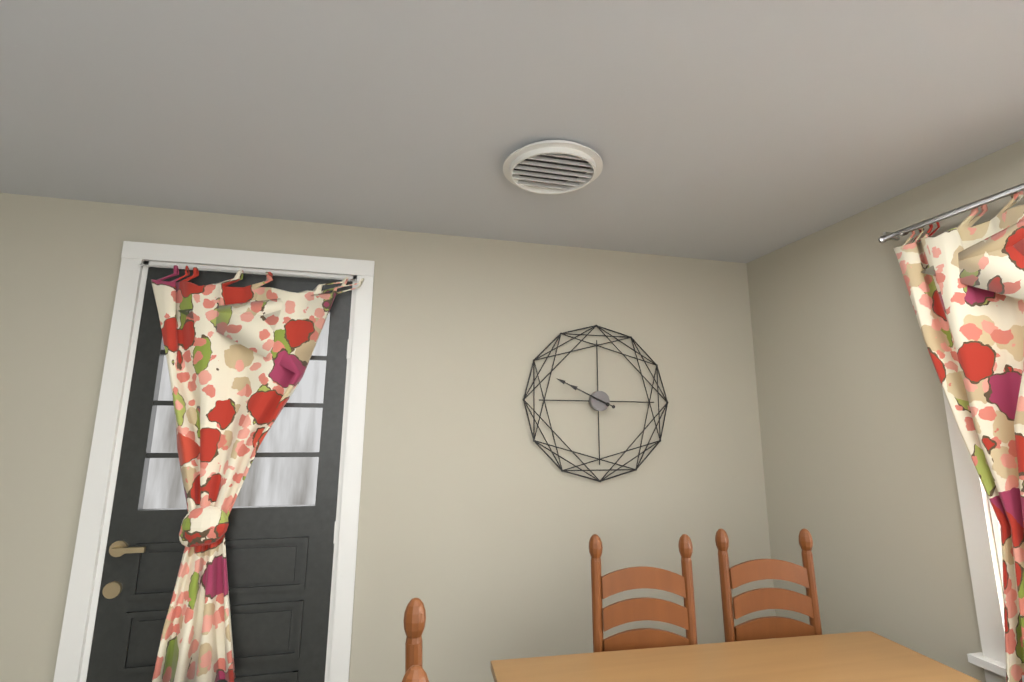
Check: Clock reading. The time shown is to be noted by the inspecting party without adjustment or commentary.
9:49
